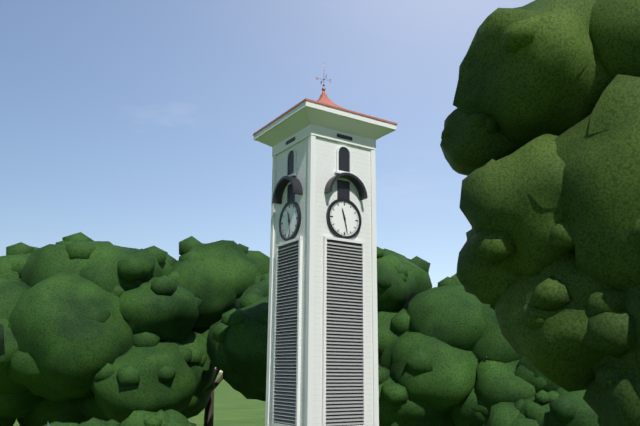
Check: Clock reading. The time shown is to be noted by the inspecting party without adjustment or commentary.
11:28
